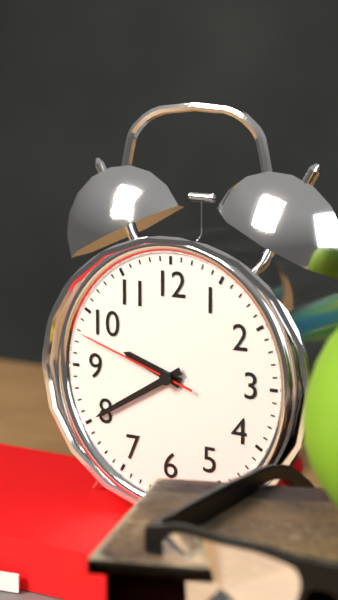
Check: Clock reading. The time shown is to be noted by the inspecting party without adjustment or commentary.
9:40:48
